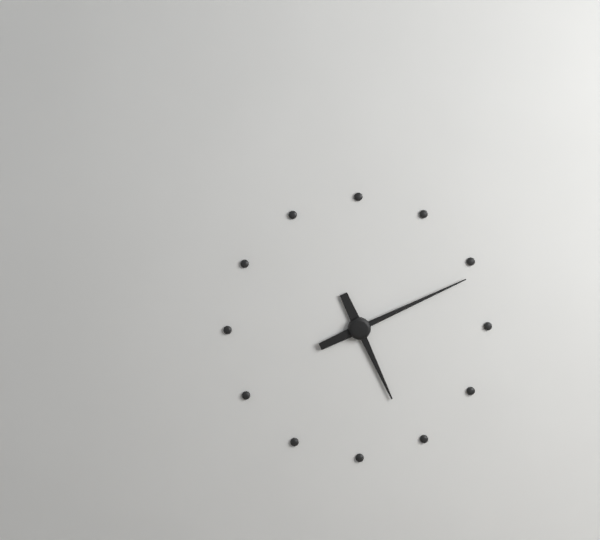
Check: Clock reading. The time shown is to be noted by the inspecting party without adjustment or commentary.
5:11
